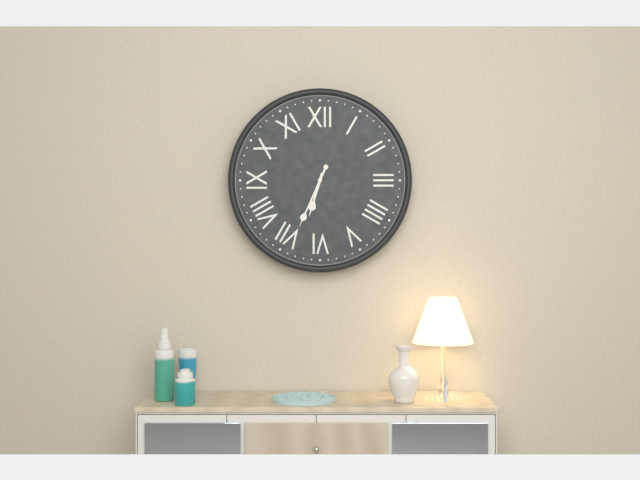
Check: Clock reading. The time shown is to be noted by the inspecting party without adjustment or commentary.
6:34
